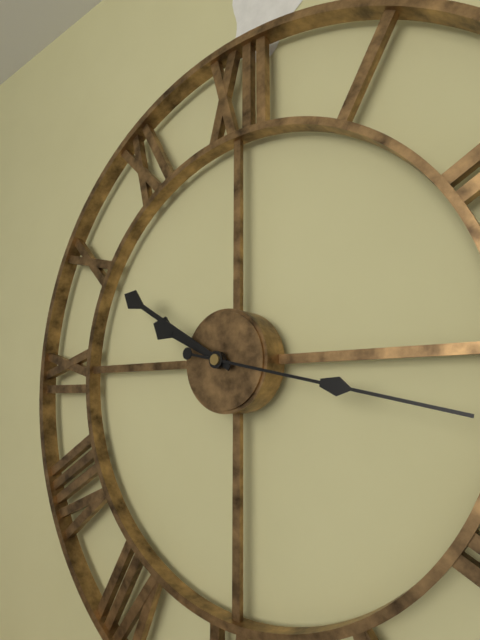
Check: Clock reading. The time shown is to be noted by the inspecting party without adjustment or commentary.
9:50:17
